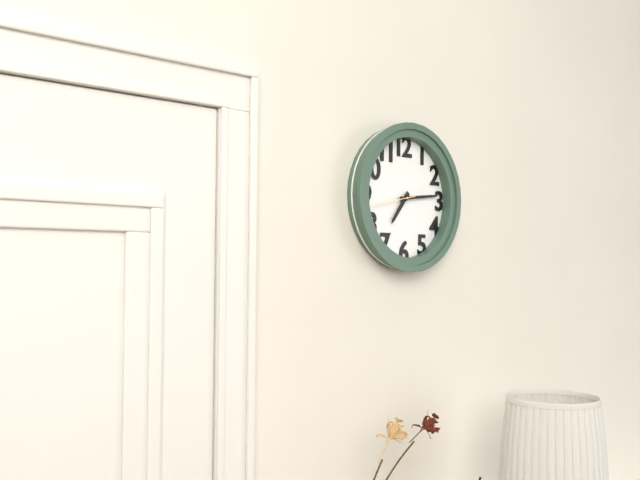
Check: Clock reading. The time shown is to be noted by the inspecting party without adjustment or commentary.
7:14
